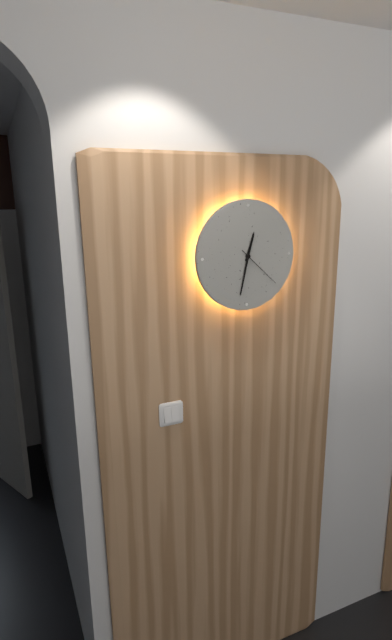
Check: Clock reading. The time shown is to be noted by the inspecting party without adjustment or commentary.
12:32
